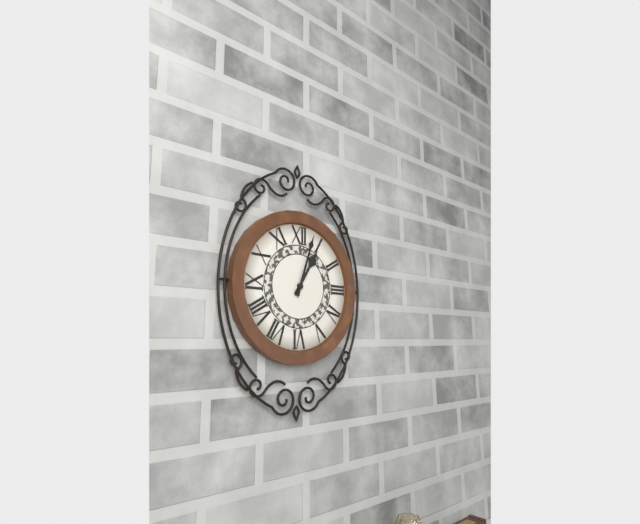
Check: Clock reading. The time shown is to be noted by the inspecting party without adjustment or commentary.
1:03
